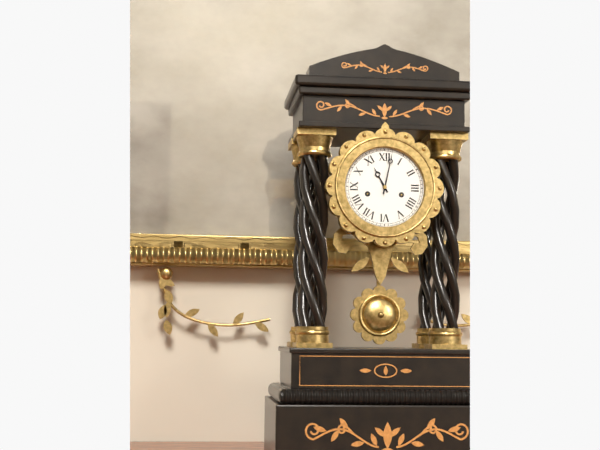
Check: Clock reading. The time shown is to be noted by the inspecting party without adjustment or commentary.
11:02
